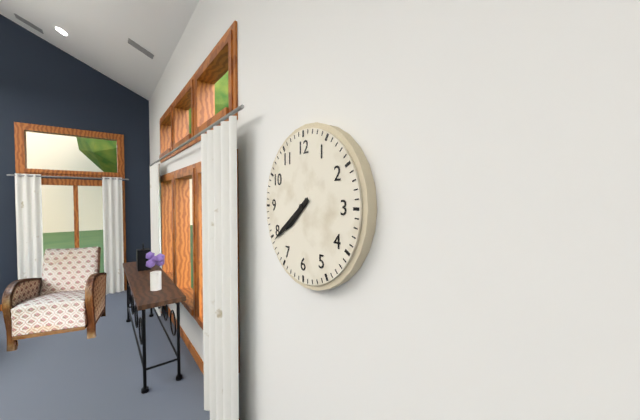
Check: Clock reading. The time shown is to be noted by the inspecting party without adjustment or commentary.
7:39
